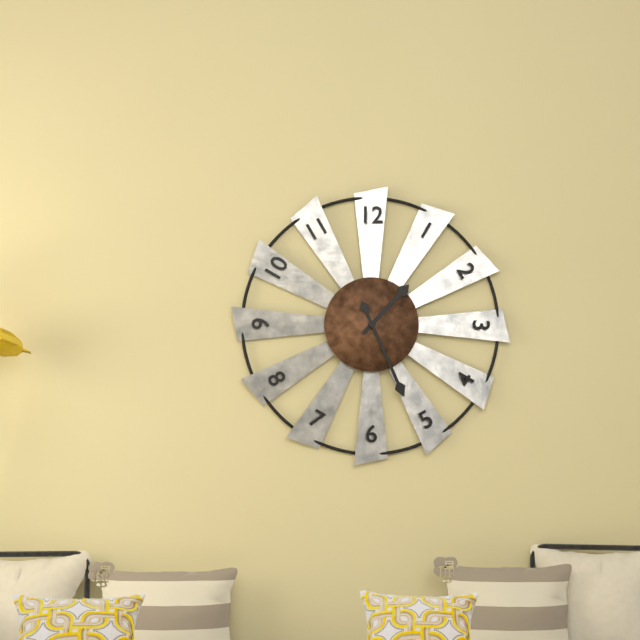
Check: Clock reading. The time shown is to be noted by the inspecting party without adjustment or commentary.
1:26
